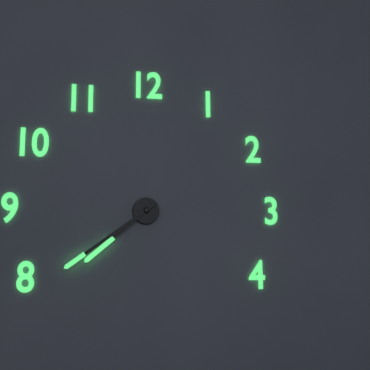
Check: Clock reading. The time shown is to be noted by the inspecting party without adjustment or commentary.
7:39
